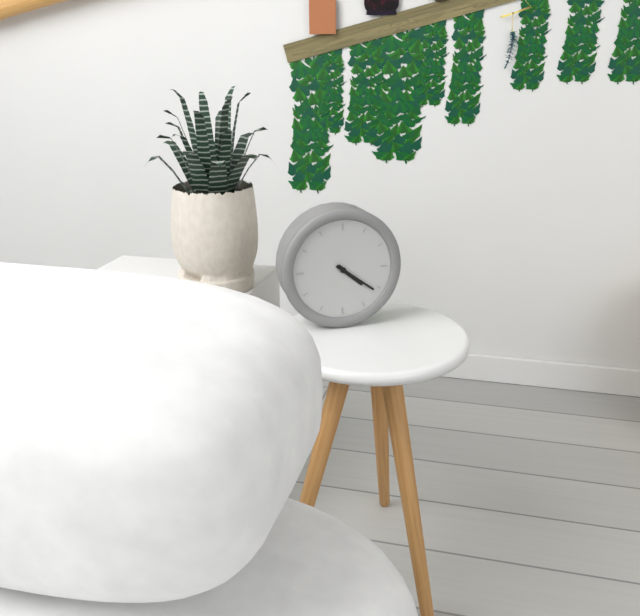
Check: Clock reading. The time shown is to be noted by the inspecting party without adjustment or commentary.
4:21
